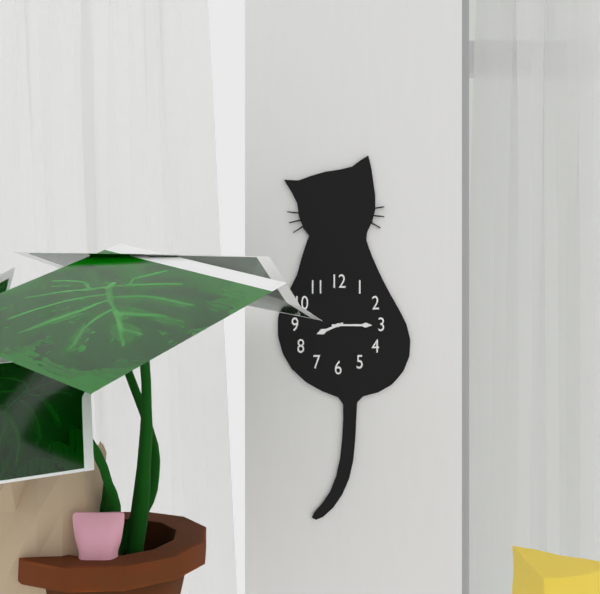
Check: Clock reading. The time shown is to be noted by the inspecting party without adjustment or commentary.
8:15
